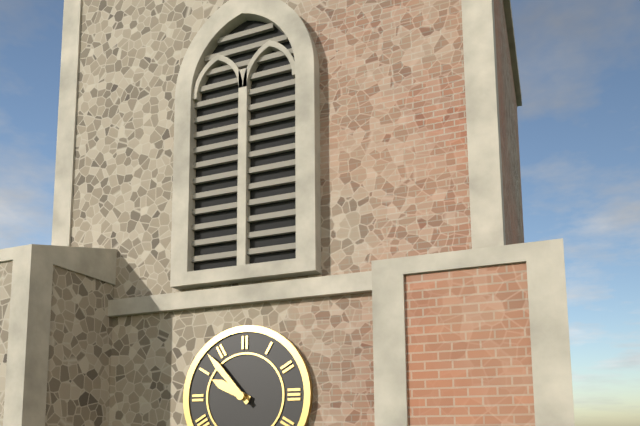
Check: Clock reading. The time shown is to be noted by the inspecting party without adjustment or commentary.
9:53
